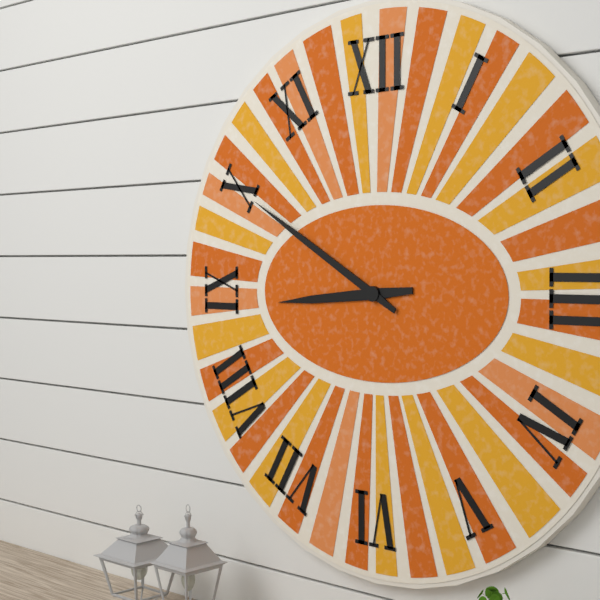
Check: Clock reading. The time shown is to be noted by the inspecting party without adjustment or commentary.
8:50
